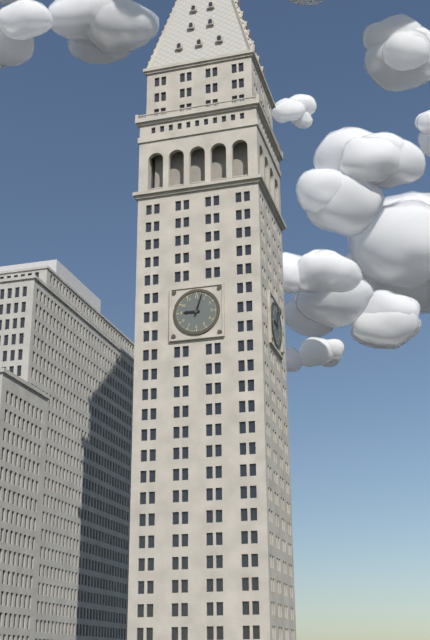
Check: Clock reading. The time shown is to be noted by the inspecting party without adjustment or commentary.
9:03
